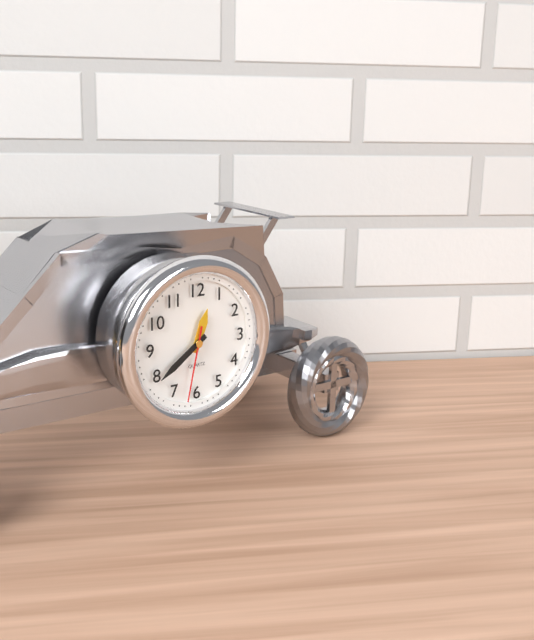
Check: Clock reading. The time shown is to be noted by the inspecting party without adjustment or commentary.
12:39:32
